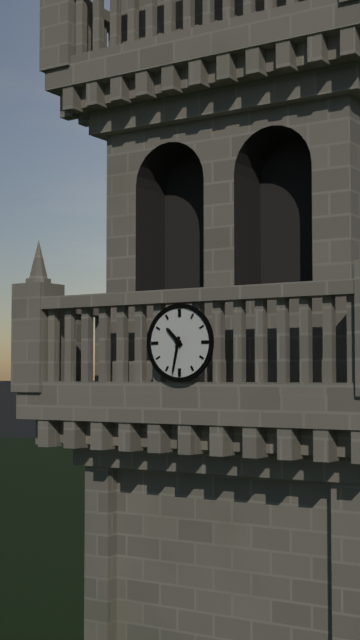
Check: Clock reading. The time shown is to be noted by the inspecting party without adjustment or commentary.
10:32
